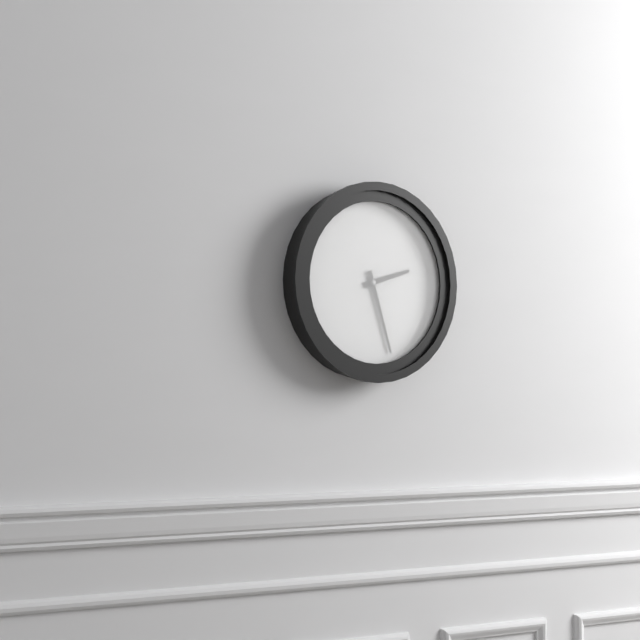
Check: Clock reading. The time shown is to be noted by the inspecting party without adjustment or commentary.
2:27
